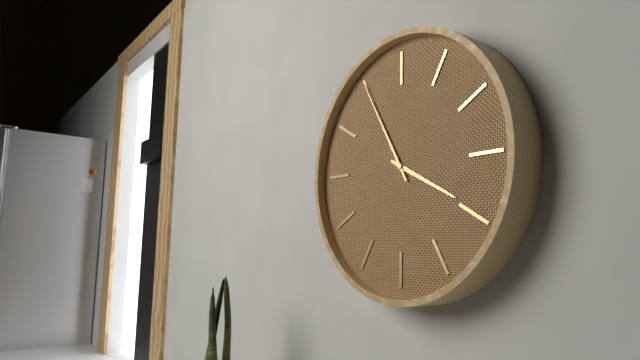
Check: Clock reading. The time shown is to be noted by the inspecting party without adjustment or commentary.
3:55
